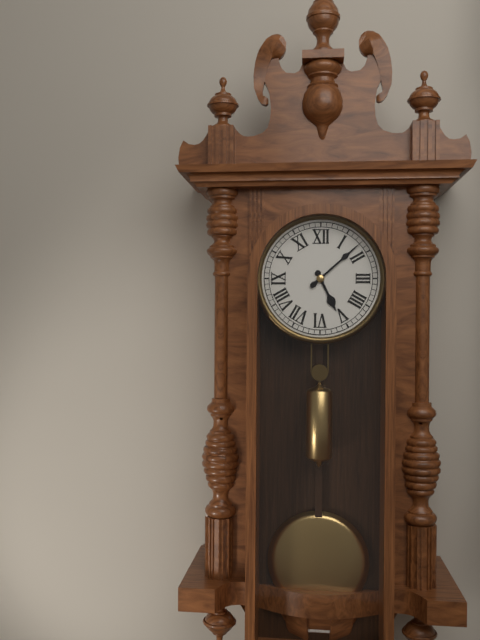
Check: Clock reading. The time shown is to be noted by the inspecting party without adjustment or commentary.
5:08
